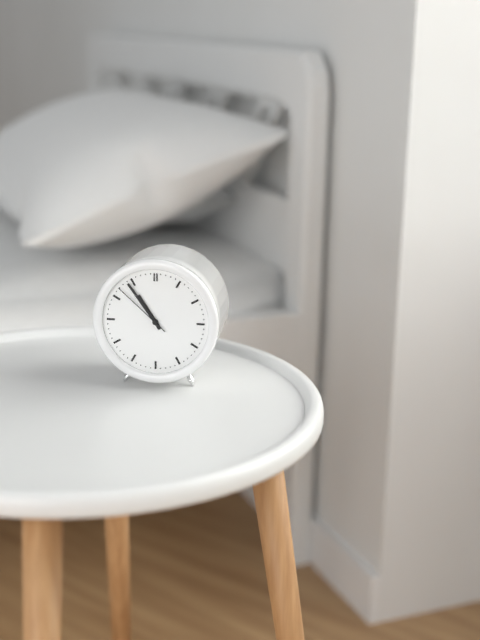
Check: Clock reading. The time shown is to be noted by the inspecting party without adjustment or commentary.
10:54:52
